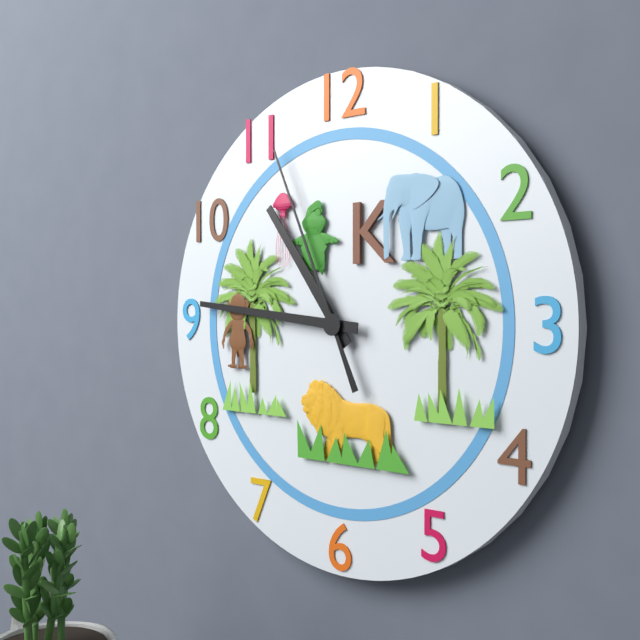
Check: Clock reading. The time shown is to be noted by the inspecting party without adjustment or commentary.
10:46:56
